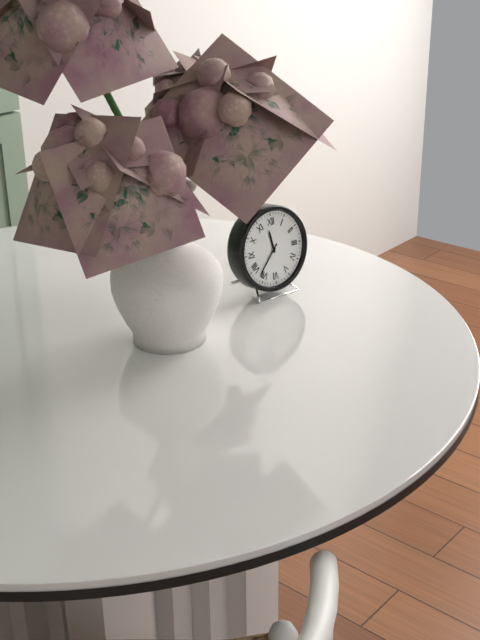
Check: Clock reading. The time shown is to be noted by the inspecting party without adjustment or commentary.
11:37
